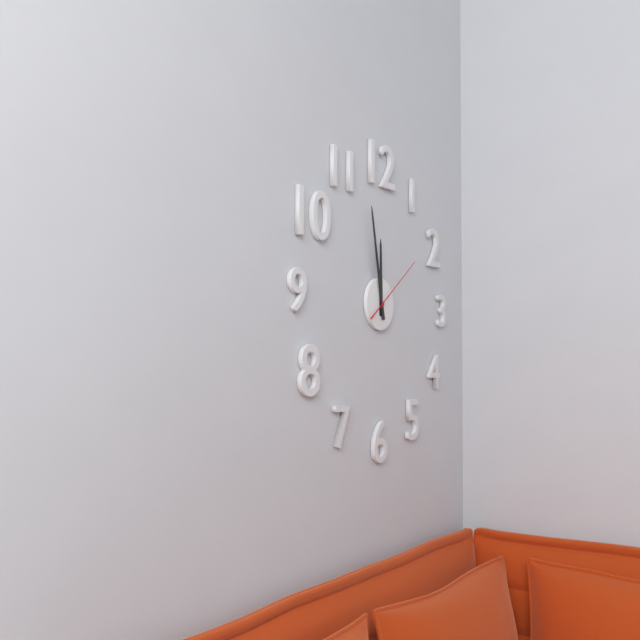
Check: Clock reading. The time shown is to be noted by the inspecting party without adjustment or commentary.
11:58:09
